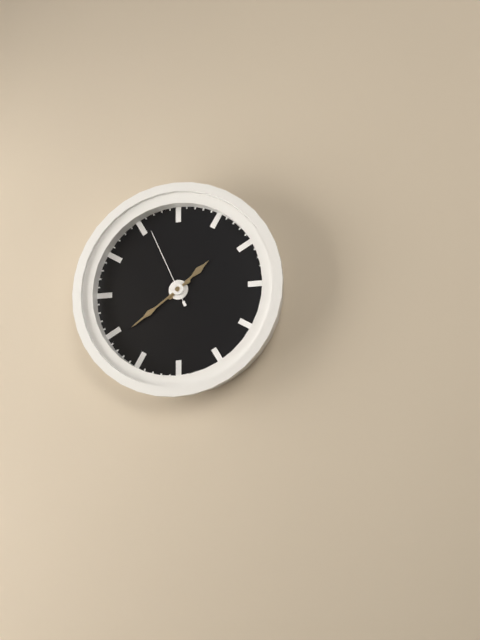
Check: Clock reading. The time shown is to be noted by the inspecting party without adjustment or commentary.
1:39:56
